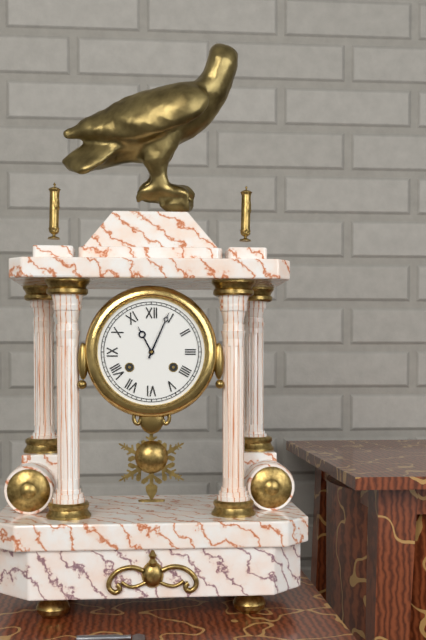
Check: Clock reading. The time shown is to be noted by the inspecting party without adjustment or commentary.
11:04
